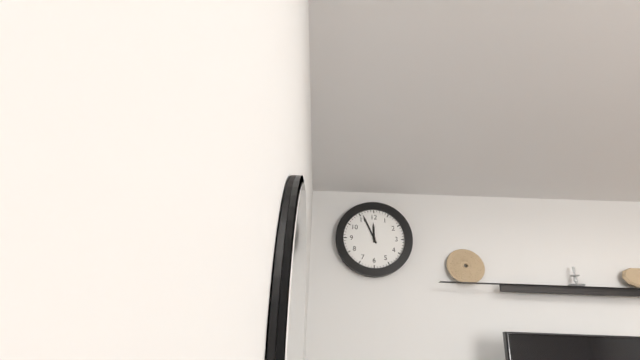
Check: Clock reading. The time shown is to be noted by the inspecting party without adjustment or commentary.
11:56
